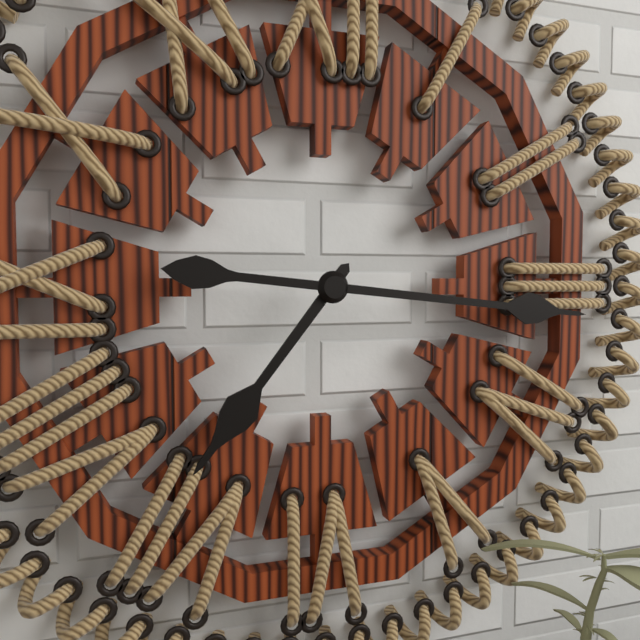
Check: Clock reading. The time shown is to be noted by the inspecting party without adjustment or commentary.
7:16
